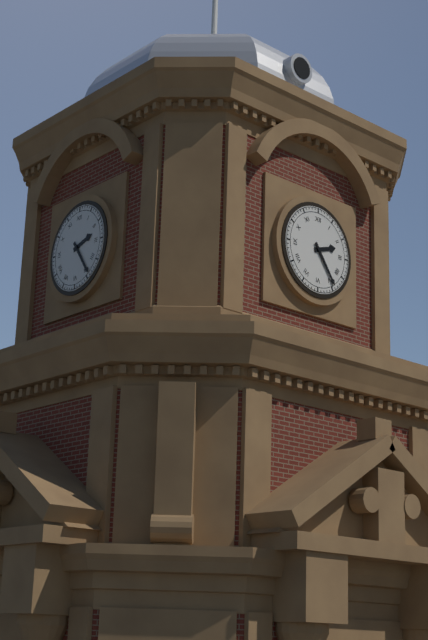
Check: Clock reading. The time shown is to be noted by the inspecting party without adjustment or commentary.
2:24
